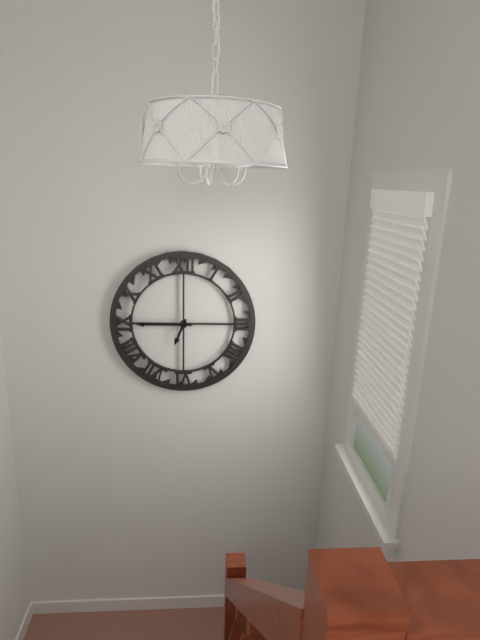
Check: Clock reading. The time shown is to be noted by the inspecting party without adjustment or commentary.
6:45
